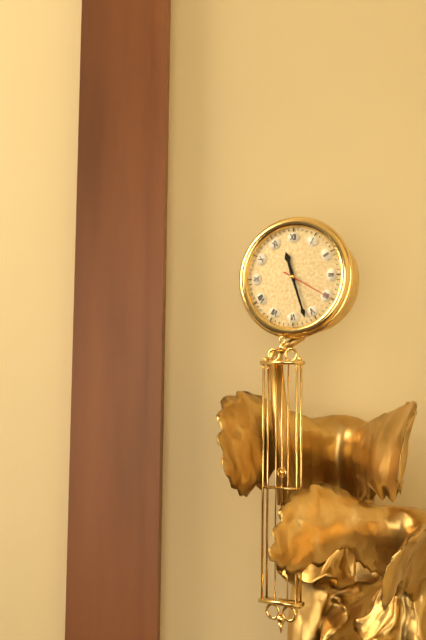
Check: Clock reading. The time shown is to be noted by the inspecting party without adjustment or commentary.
11:27:20
